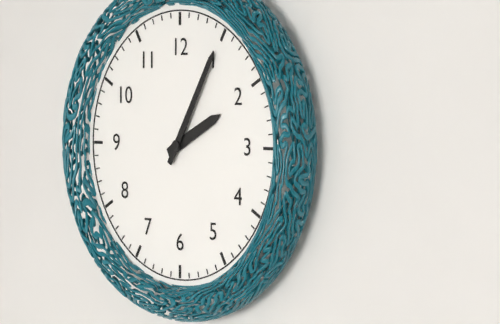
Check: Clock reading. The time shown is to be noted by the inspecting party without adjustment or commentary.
2:05
